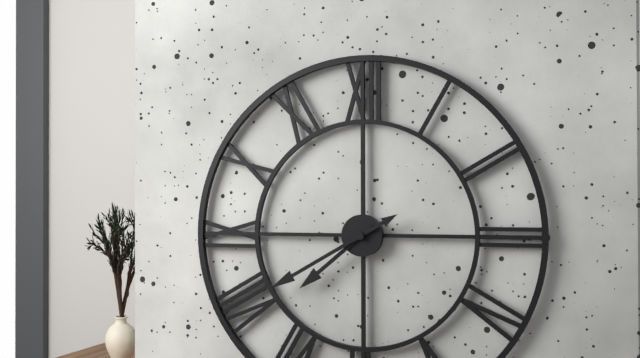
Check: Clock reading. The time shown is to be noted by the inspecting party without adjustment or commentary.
7:40
